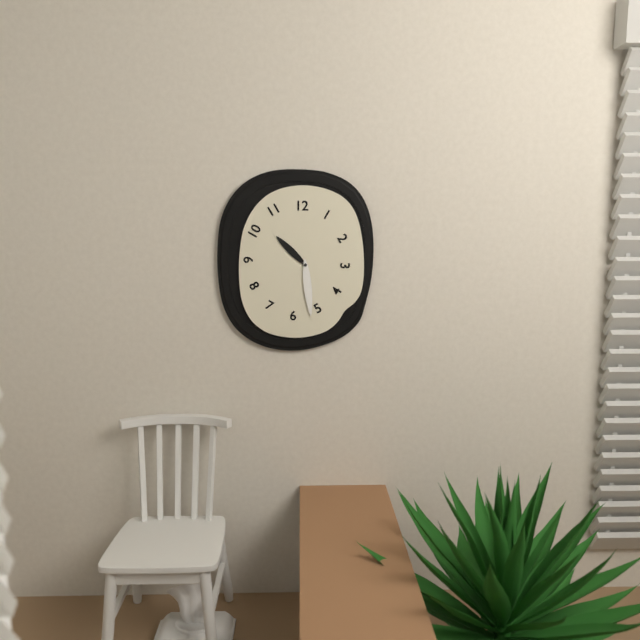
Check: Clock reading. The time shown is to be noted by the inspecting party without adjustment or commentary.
10:29
